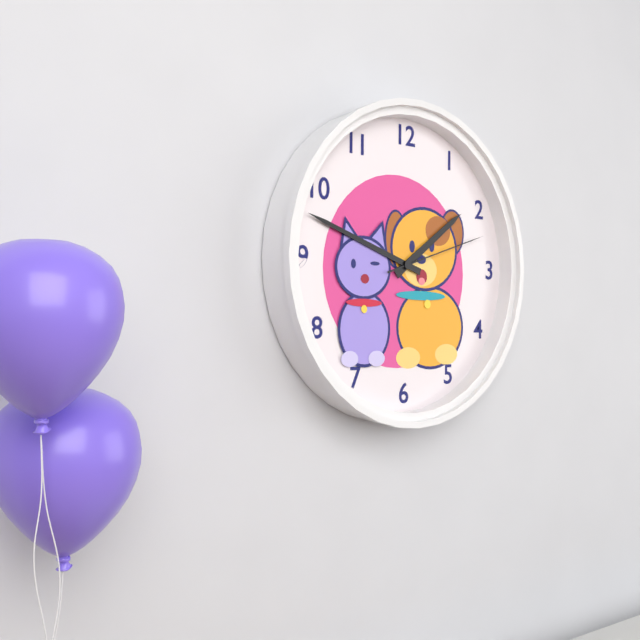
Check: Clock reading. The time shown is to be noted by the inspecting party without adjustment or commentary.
1:48:12
